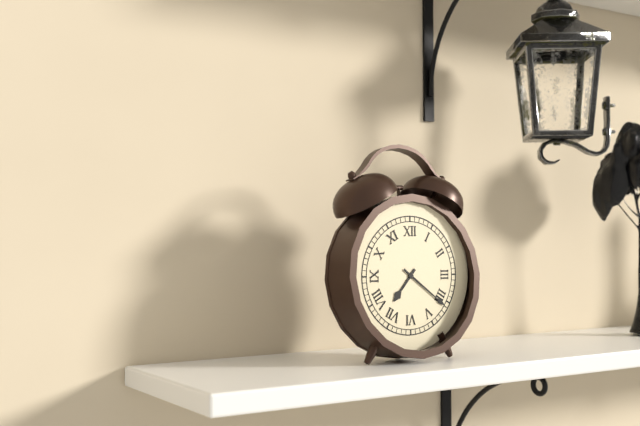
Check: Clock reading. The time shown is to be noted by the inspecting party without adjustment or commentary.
7:21
